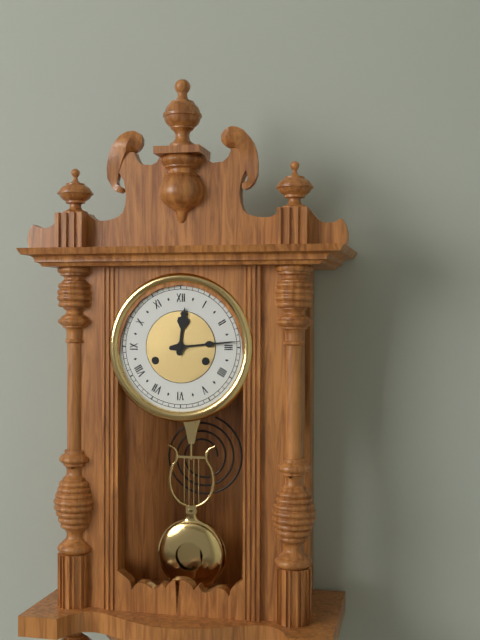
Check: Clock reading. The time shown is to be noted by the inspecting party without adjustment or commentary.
12:14
